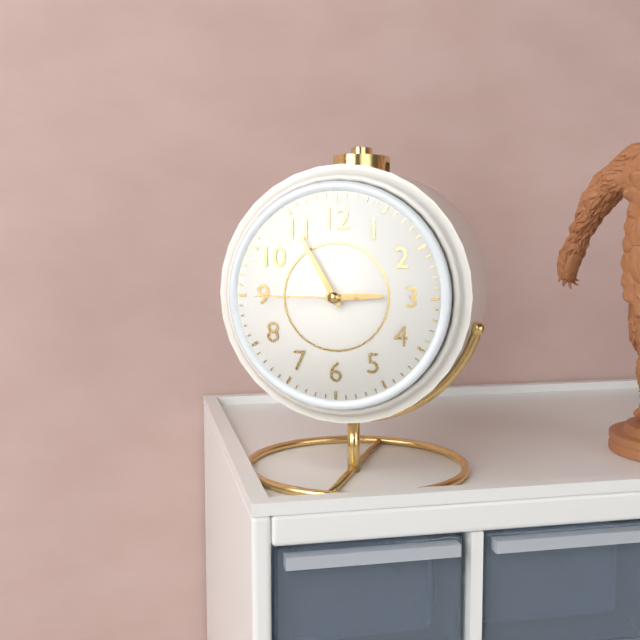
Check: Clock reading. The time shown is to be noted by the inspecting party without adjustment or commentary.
2:55:45
